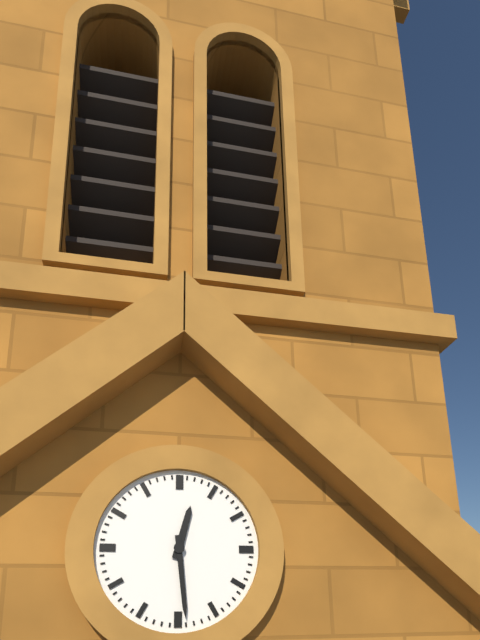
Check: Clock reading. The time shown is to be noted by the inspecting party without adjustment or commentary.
12:29
